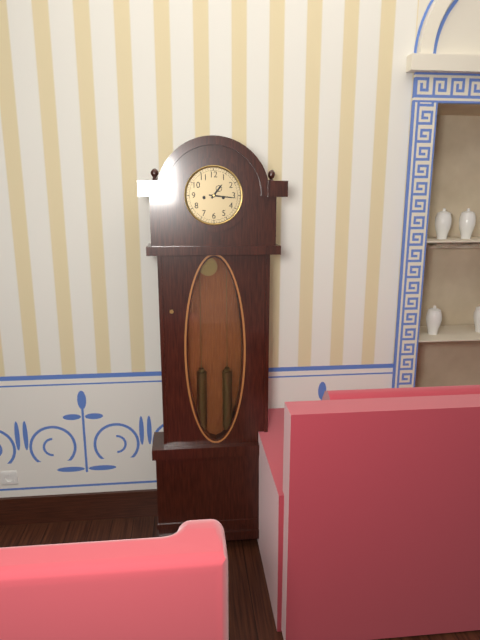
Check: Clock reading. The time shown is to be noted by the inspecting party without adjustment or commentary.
1:16
